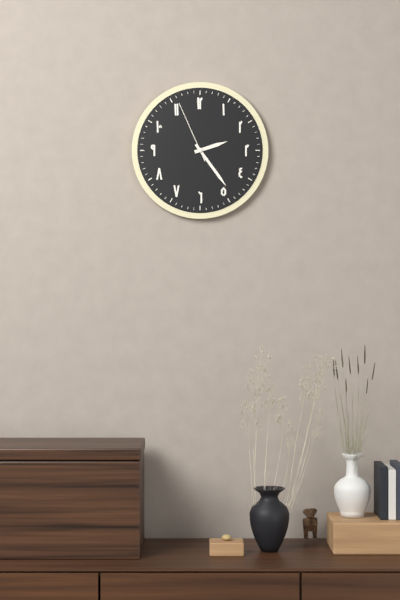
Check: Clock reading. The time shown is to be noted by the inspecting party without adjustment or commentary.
2:24:56
